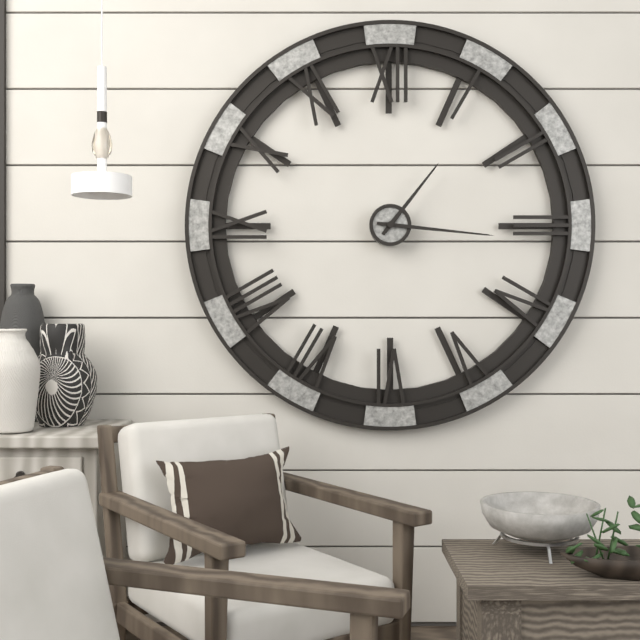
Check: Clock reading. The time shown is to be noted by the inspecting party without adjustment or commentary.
1:16
